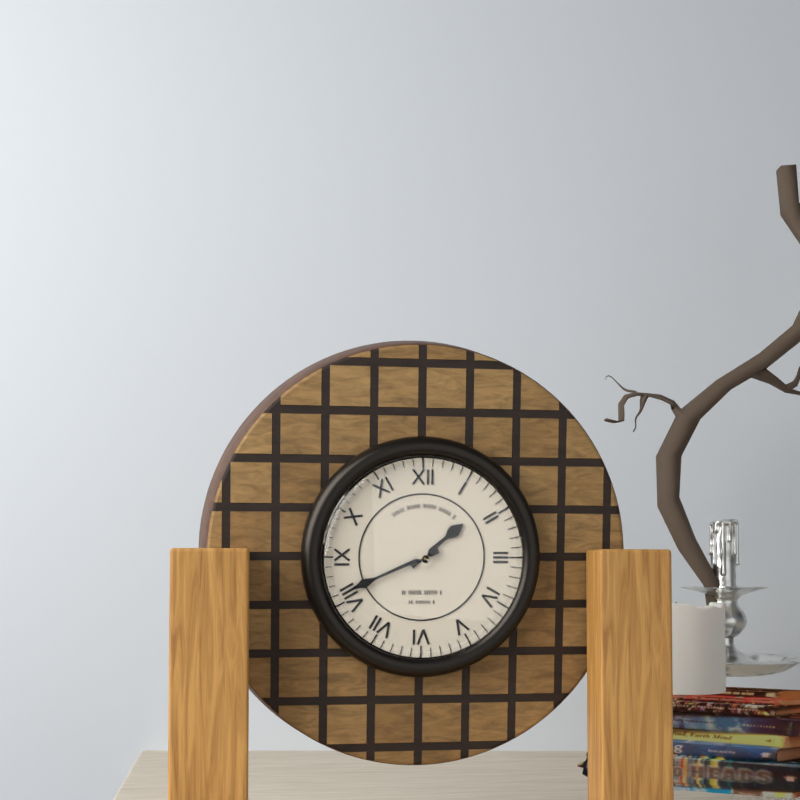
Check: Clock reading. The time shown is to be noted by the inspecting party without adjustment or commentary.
1:41
